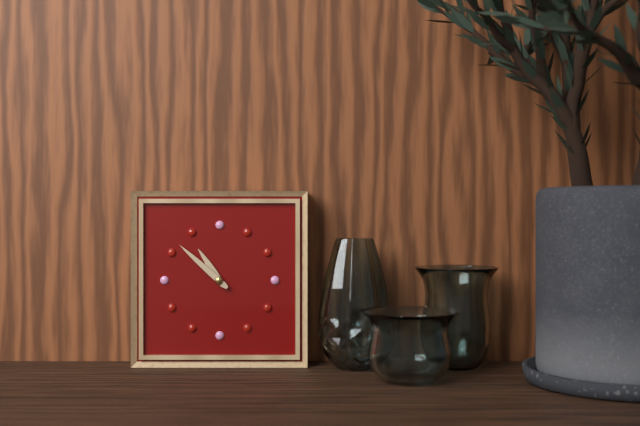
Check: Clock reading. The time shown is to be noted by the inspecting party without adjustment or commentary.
10:52
